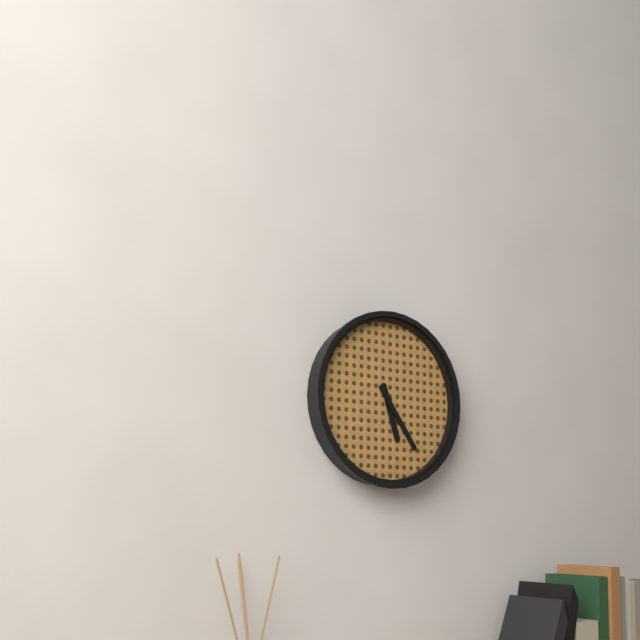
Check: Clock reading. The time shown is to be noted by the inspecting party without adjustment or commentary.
5:24
